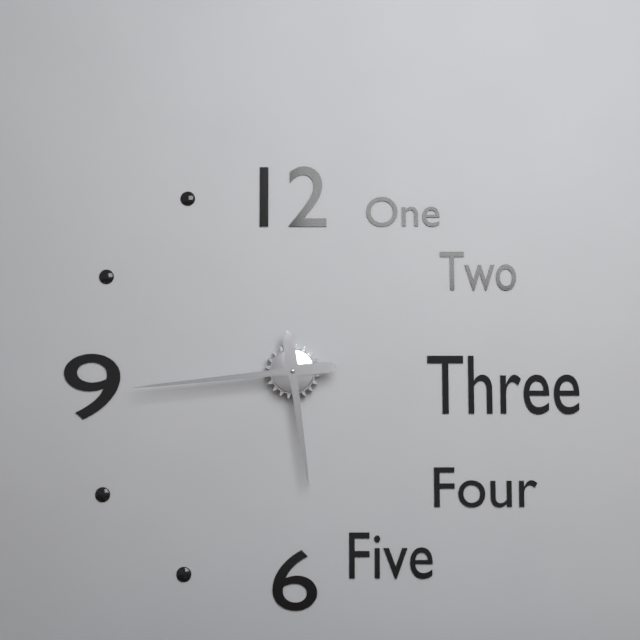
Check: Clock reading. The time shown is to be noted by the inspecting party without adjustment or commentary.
5:44
